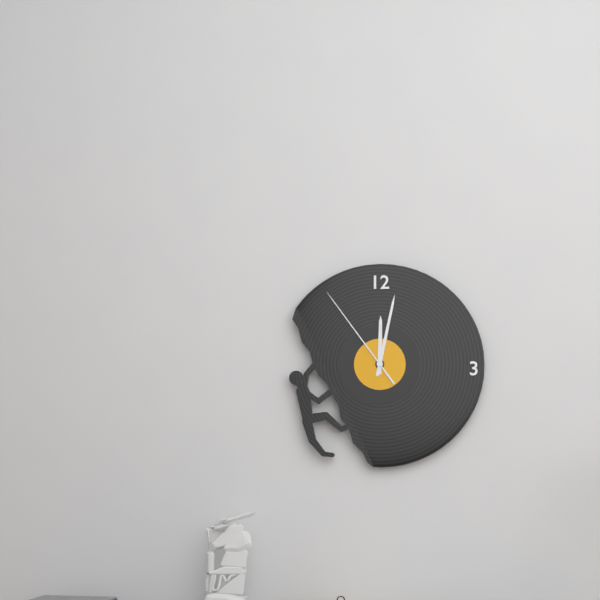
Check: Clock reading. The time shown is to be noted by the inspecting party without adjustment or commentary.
12:02:54
